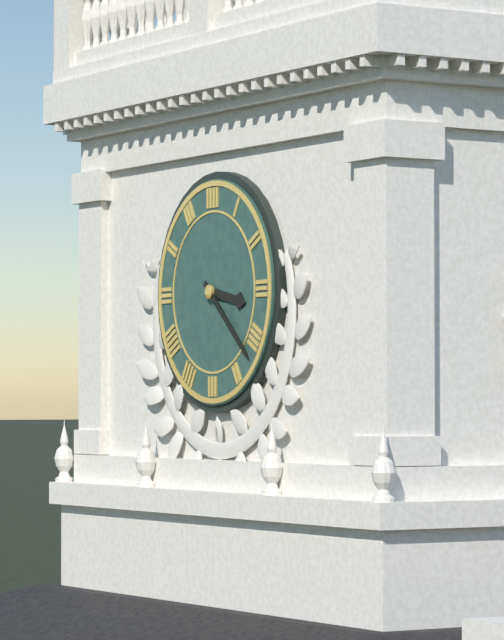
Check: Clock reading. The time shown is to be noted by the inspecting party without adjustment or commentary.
3:22
